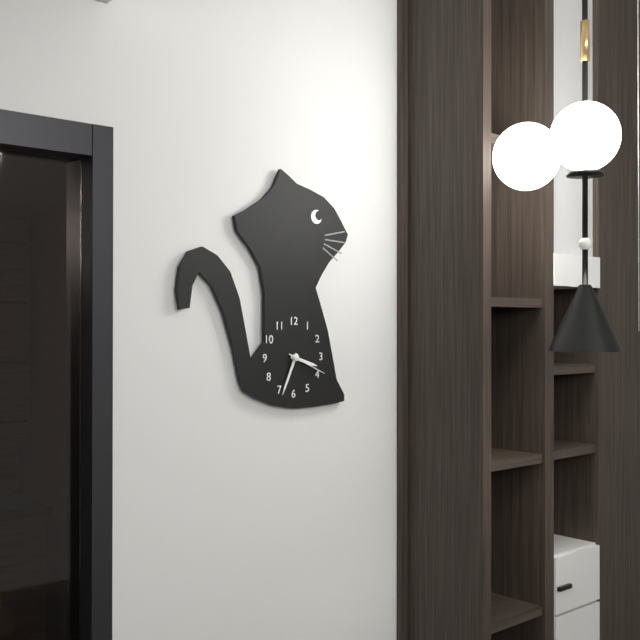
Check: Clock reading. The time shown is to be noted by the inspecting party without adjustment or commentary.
3:34
